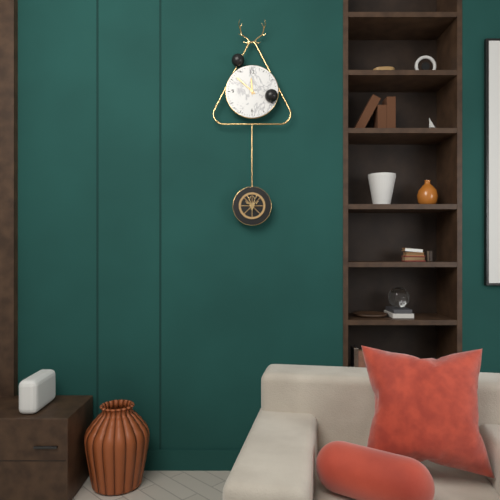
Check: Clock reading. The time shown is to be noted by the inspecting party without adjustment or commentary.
11:52
